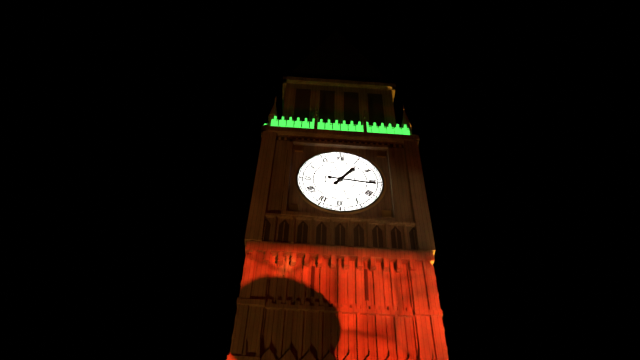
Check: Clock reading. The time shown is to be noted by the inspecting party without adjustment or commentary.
1:16
